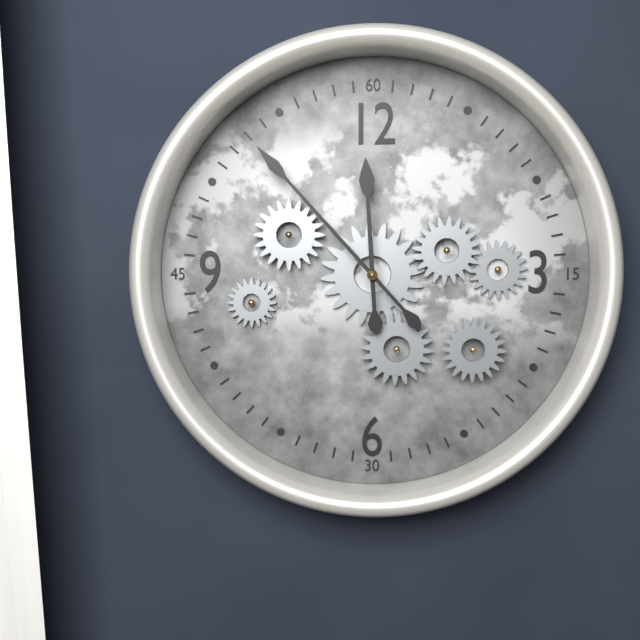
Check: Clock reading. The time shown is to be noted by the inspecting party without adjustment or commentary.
11:53
